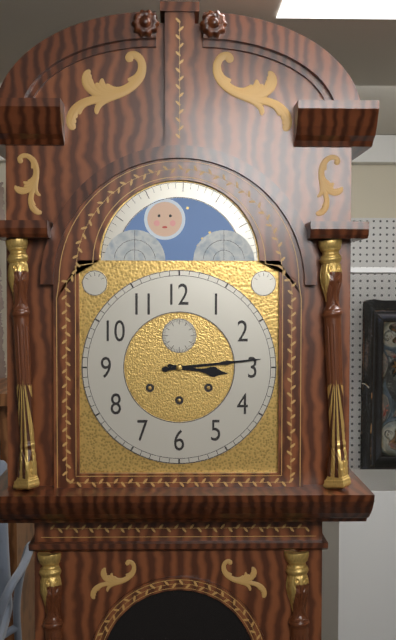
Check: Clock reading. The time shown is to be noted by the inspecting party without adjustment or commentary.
3:14
